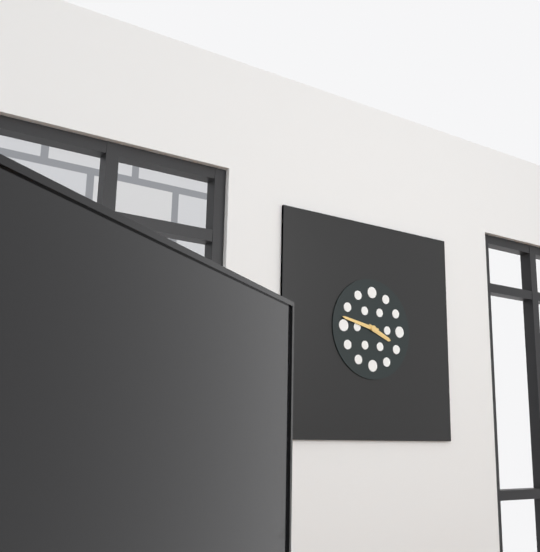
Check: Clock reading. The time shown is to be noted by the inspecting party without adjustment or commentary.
3:47
